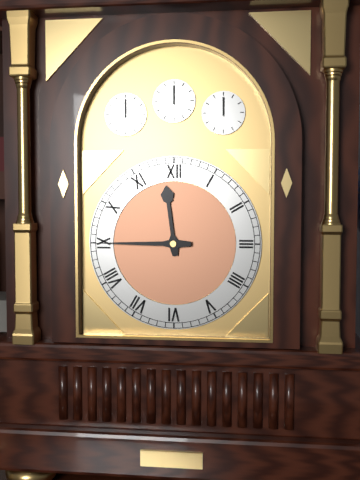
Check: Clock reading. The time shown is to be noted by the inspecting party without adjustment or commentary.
11:45
